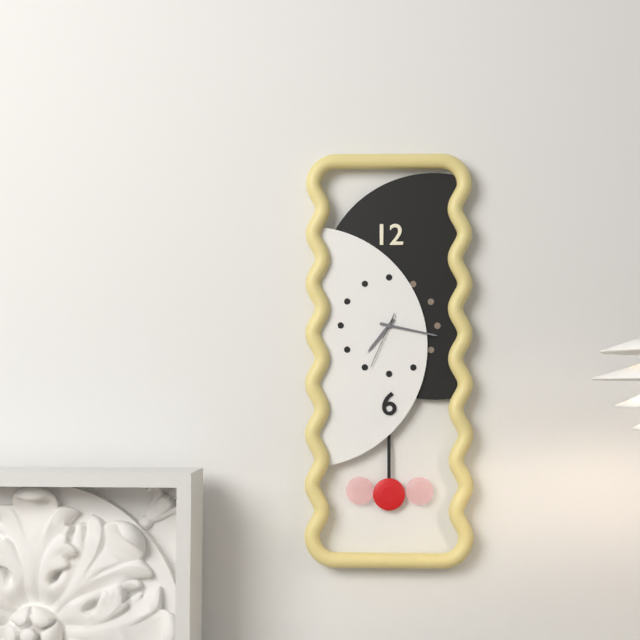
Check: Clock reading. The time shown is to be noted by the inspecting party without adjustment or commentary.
7:17:34
